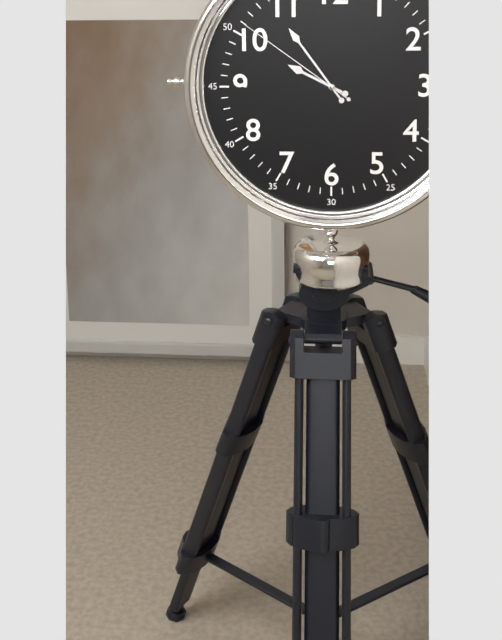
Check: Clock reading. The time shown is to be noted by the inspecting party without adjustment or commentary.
9:54:51
